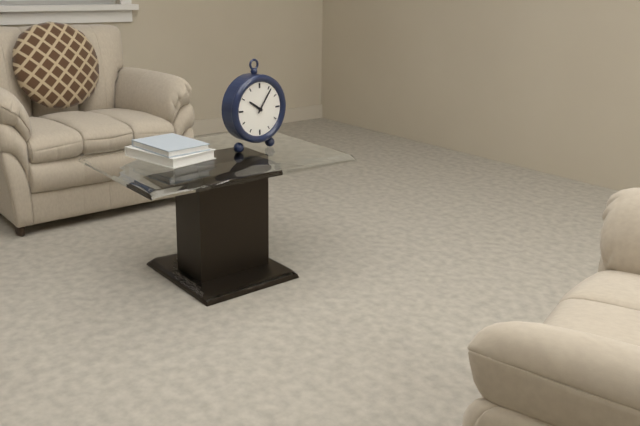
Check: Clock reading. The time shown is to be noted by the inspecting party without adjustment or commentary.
10:06
